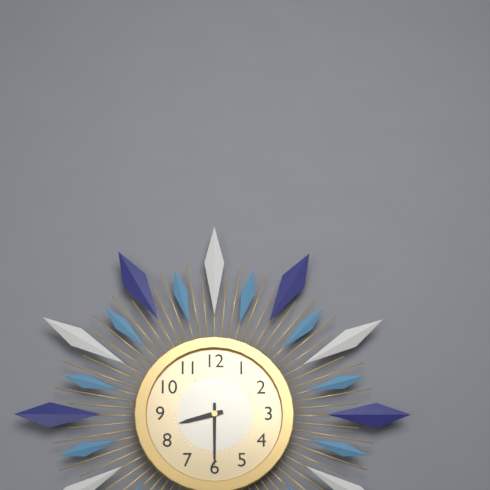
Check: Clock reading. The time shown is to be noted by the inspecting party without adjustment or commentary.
8:30
